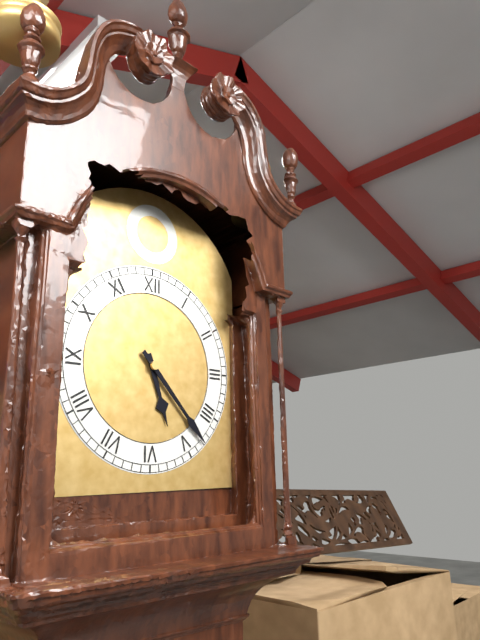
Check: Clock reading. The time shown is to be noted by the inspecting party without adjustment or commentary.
5:23
